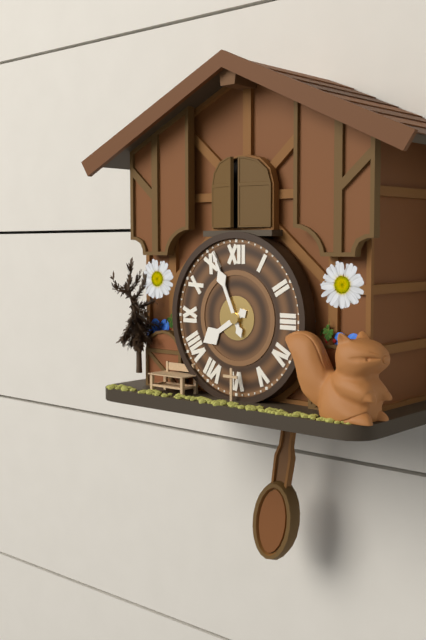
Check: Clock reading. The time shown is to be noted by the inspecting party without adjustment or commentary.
7:56
